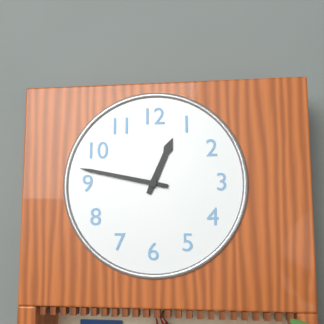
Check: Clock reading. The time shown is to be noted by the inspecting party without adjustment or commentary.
12:47
